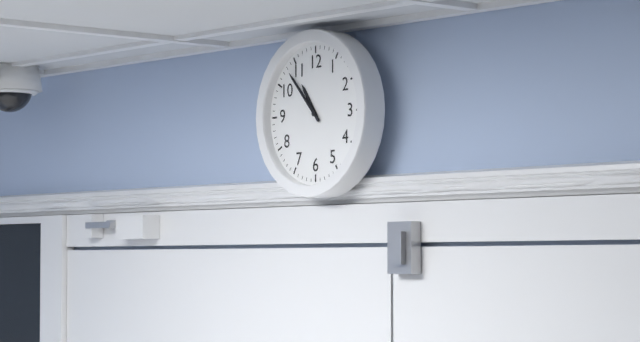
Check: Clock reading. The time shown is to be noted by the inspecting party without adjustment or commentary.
10:53
